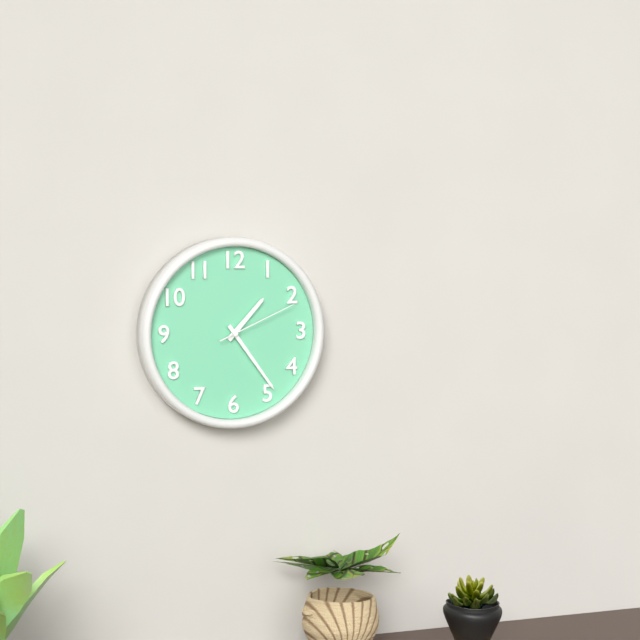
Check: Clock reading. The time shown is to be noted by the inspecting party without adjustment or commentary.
1:24:11
